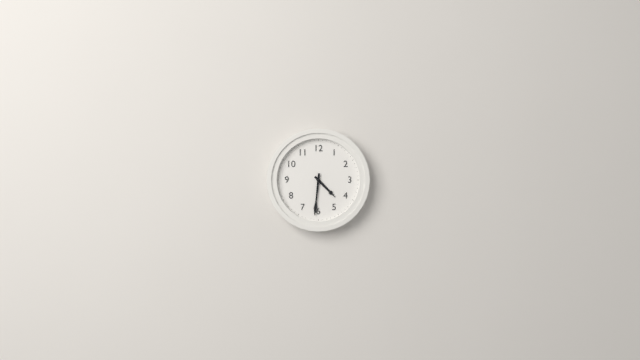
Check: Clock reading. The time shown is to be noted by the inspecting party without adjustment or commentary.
4:31
